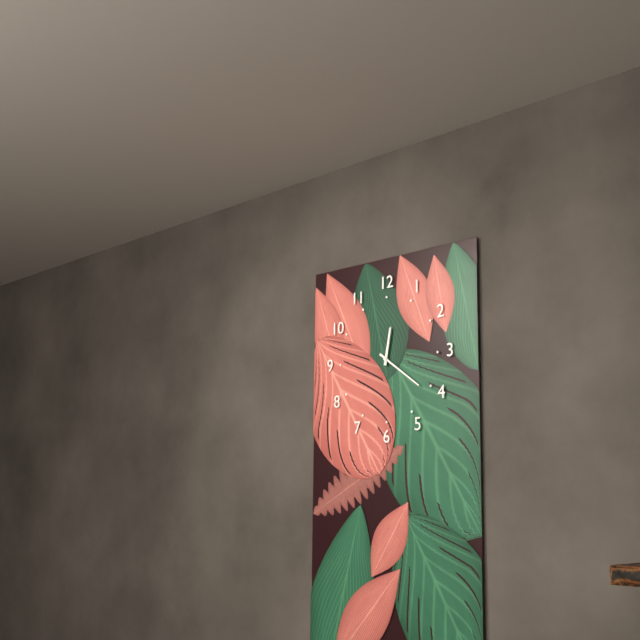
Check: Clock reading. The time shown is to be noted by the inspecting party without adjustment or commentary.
12:21
